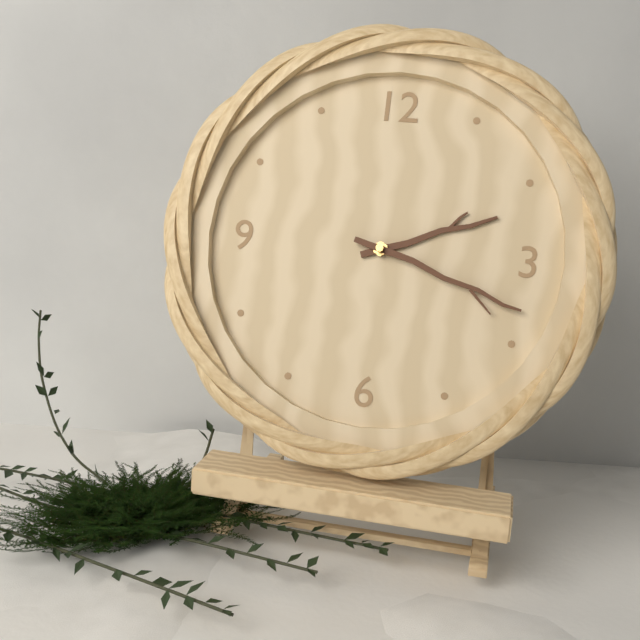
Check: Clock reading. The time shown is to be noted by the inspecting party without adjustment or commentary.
2:18
